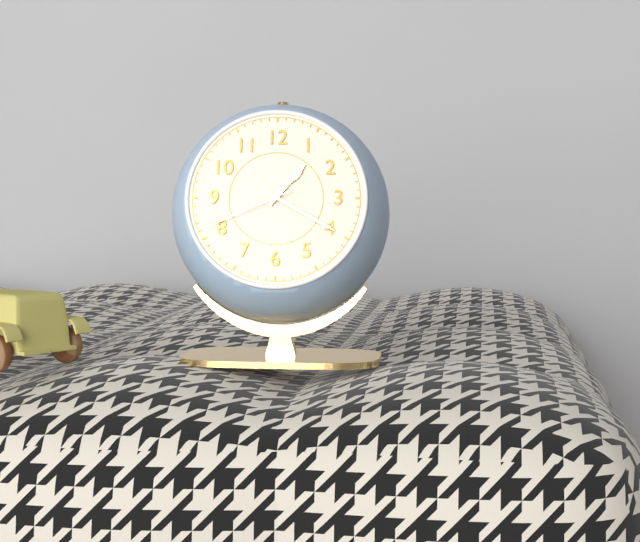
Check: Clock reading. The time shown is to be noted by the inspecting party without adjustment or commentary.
1:20:41
